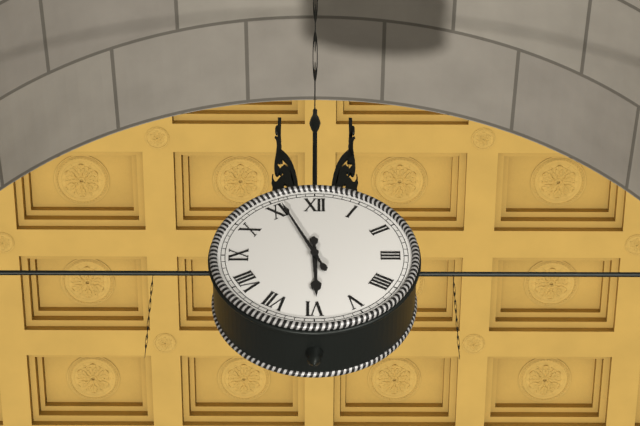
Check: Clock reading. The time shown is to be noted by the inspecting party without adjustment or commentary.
5:56
